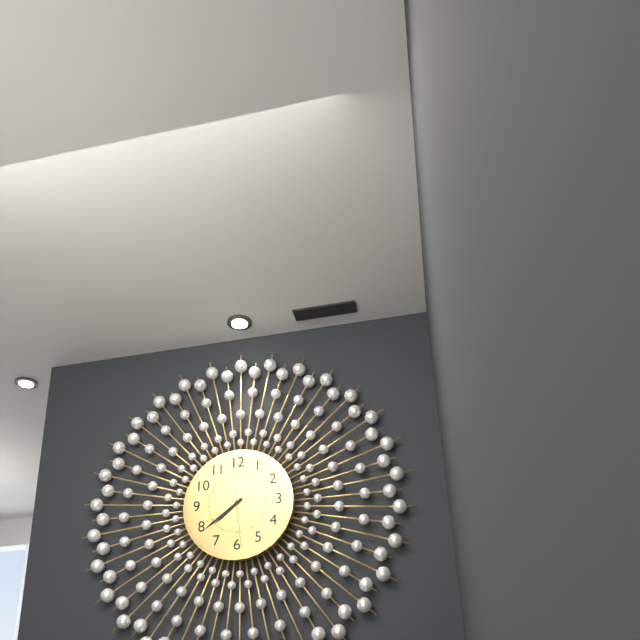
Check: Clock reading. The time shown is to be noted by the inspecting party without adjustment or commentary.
7:39:29
